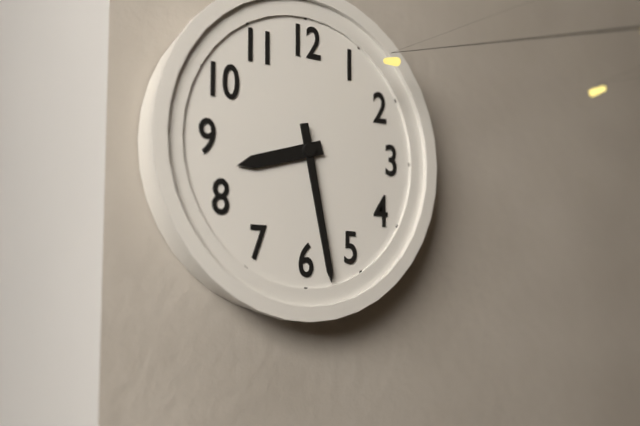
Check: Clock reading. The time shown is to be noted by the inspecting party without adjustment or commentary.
8:28
